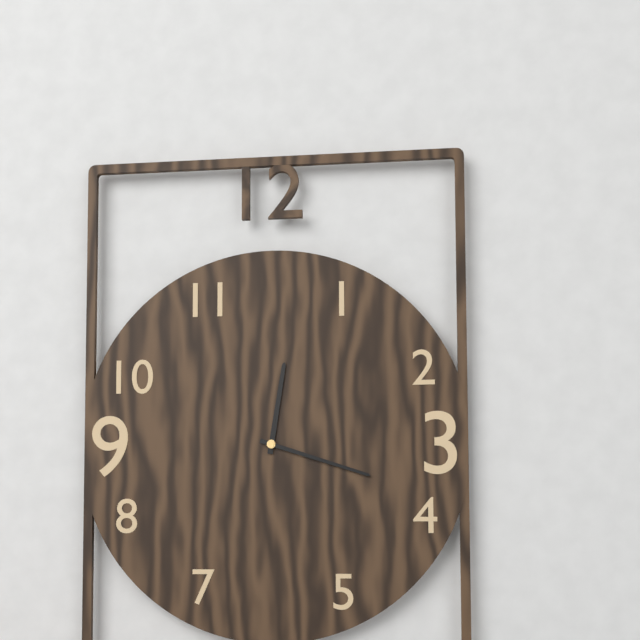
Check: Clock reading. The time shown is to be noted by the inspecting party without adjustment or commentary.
12:18
